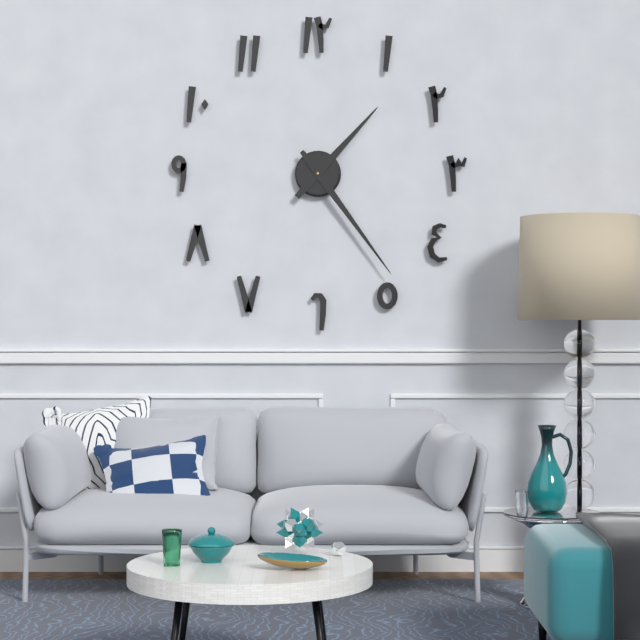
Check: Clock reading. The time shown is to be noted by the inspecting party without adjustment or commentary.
1:24
